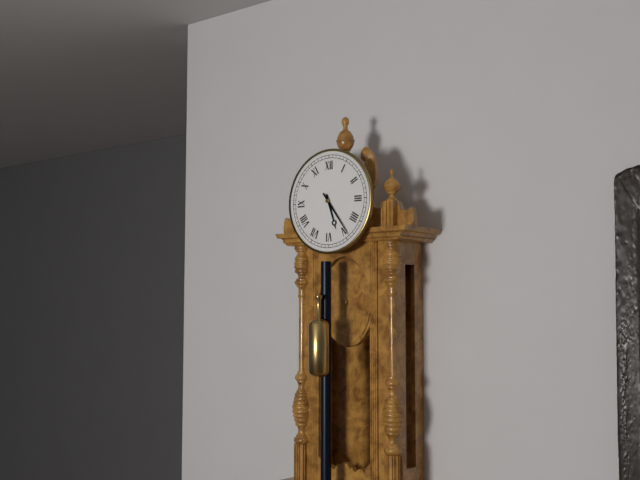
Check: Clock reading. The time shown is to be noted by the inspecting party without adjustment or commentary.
5:24
